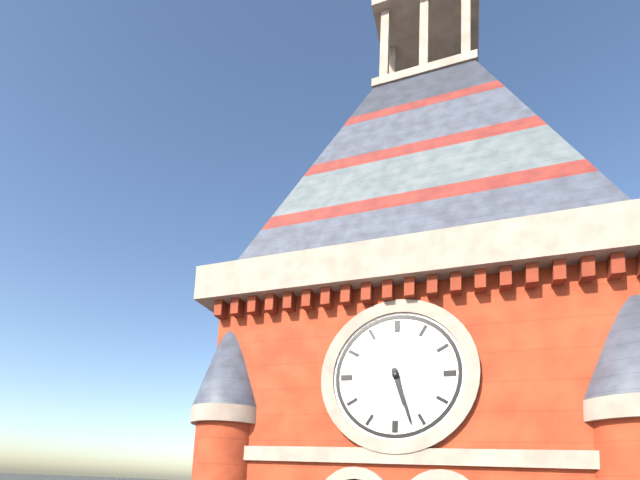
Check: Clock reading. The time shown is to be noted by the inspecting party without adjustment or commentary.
5:27
